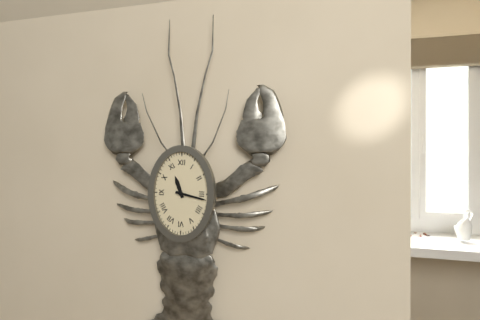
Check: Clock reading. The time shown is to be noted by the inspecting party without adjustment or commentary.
11:17
